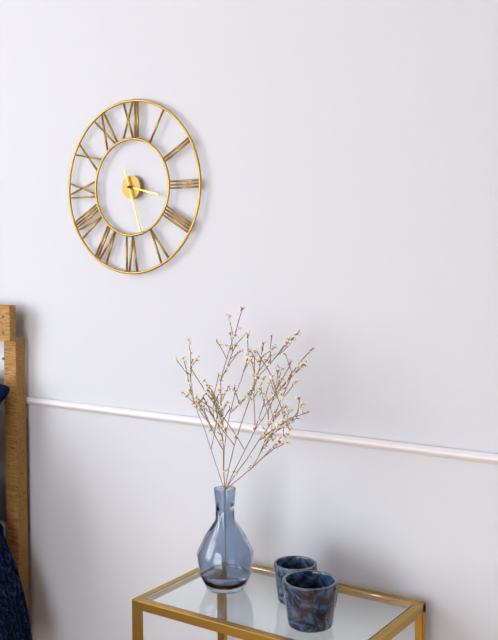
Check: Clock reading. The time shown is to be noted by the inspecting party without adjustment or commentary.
3:27
